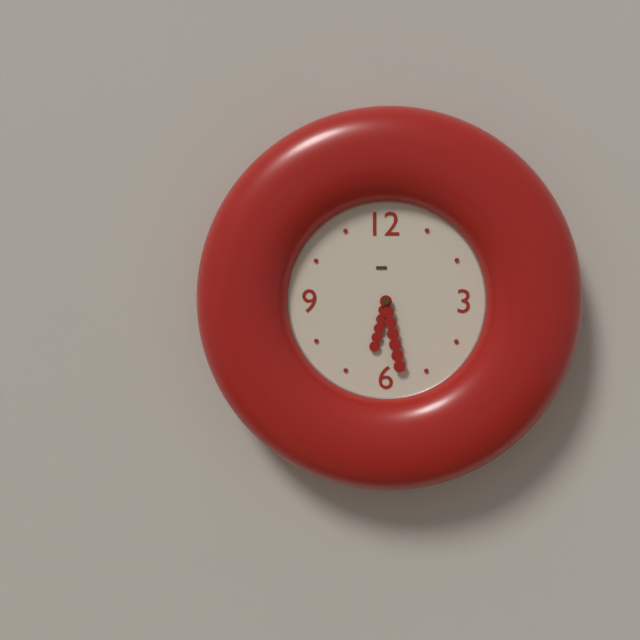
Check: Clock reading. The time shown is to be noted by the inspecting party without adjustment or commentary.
6:28
